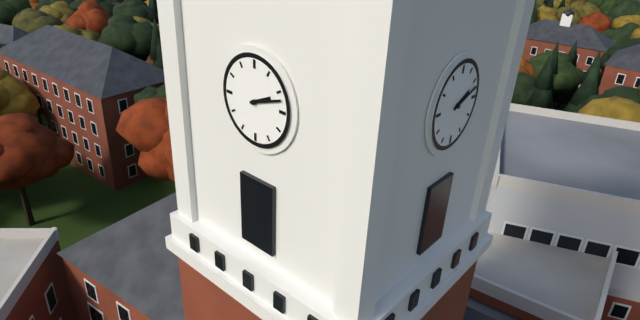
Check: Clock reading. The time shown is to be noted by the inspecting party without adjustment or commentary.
2:12
